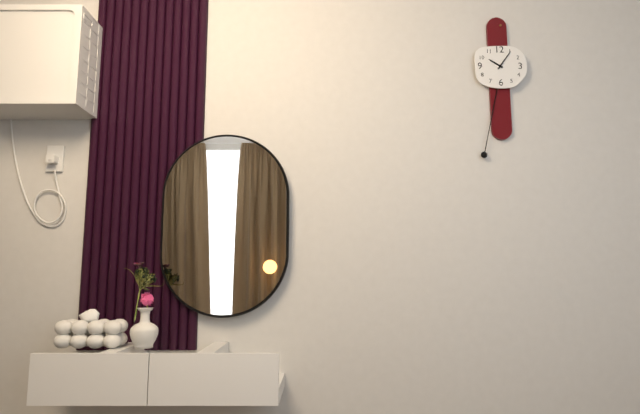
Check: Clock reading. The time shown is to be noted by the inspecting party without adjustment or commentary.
10:06
